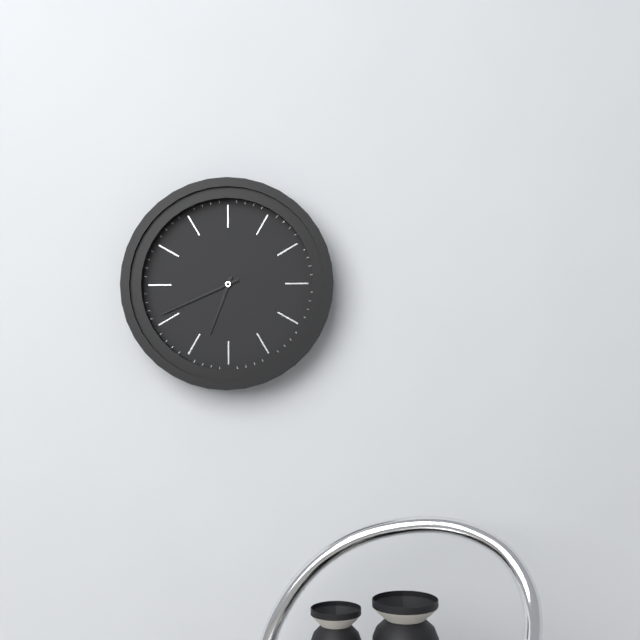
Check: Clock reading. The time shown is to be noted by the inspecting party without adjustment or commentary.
6:41
